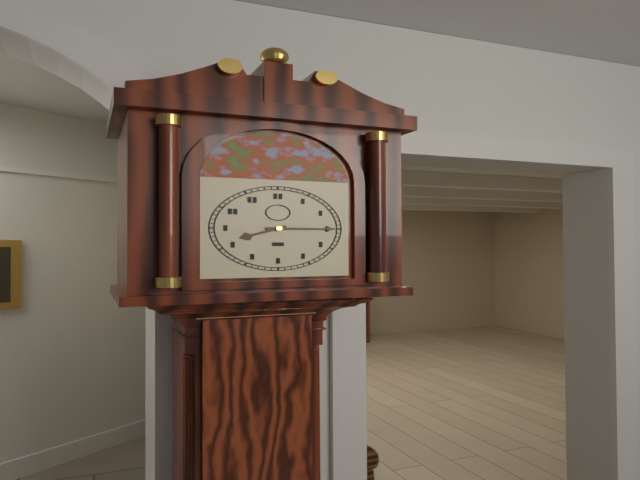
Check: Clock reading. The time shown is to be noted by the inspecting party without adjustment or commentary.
8:15
